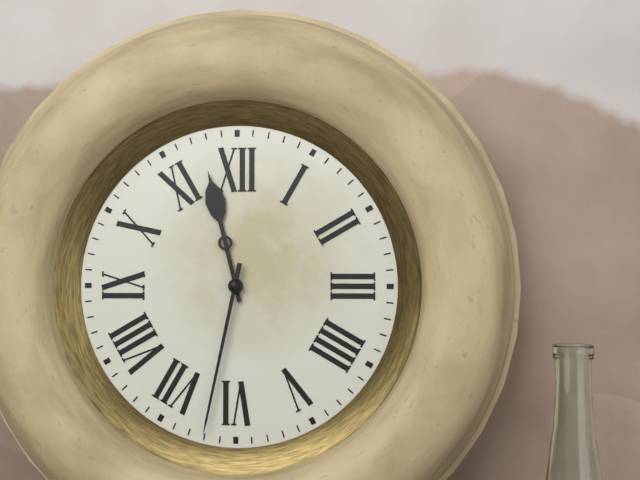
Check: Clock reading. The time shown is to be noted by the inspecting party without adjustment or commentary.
11:32
